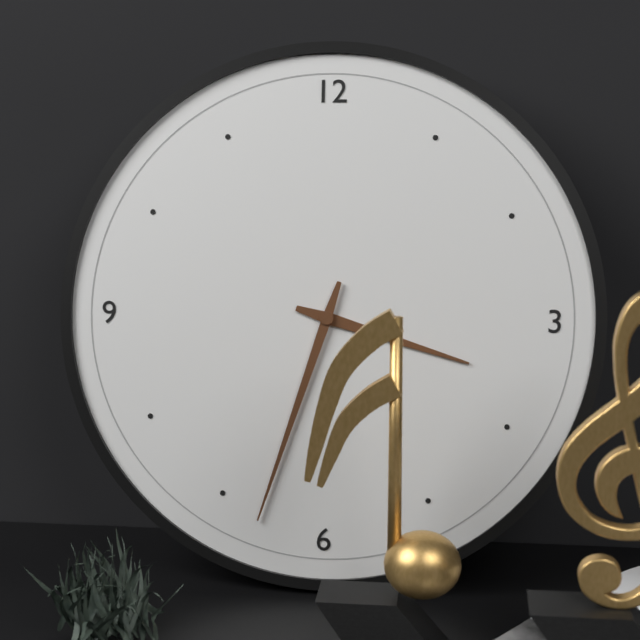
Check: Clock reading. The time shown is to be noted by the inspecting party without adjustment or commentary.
3:33
